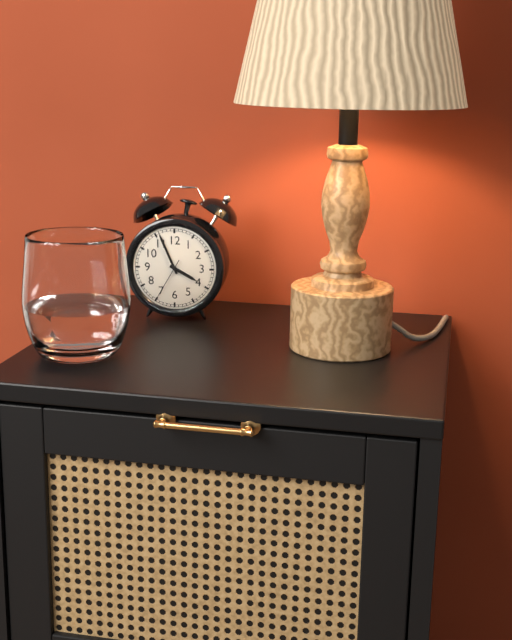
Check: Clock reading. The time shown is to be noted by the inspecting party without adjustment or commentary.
3:56
